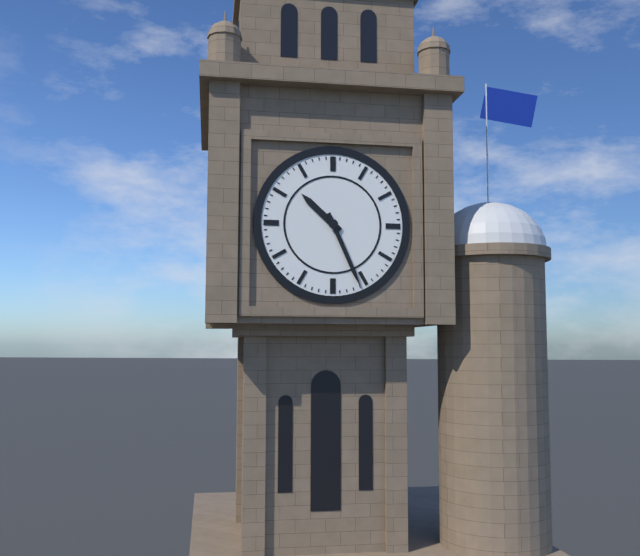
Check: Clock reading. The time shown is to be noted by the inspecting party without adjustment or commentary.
10:26
